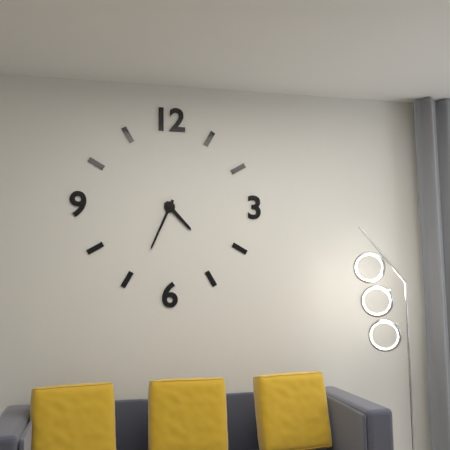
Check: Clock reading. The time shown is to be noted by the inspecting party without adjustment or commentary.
4:34
